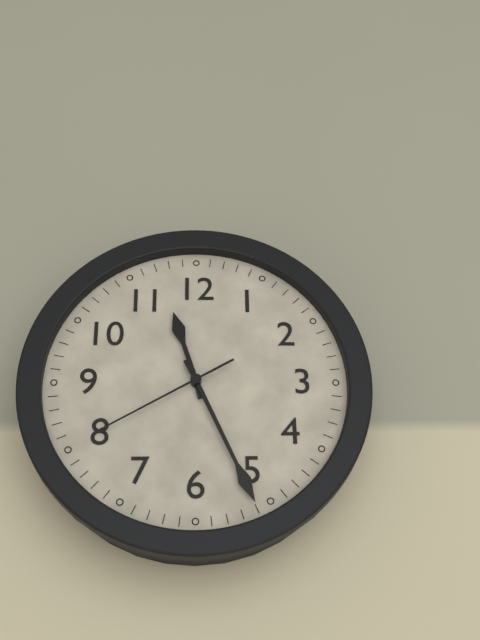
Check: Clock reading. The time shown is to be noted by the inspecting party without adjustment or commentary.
11:26:40
